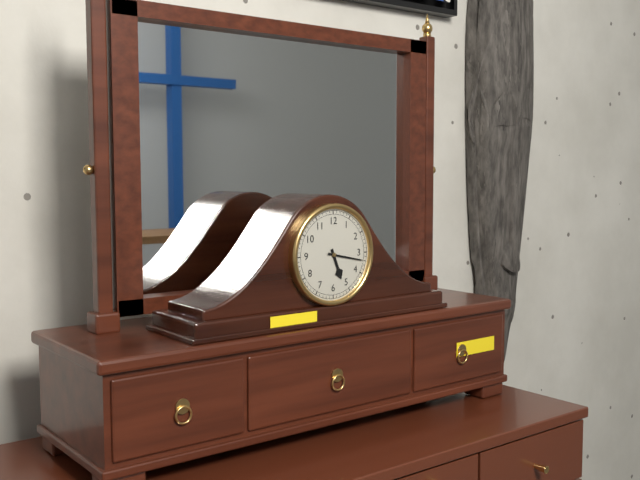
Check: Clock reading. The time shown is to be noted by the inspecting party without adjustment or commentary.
5:17
